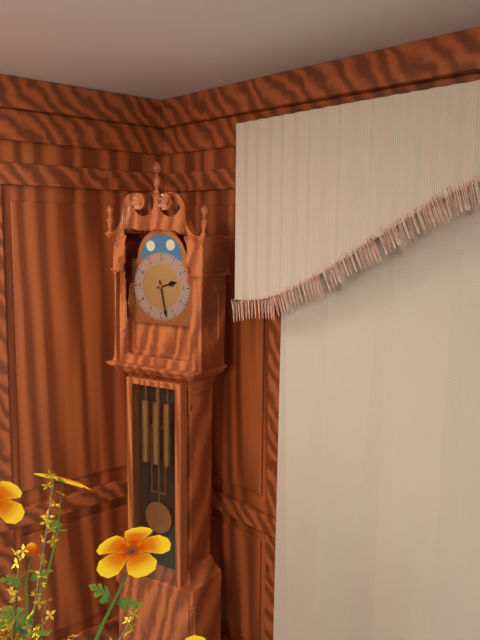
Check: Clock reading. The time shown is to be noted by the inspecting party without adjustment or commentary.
2:28
